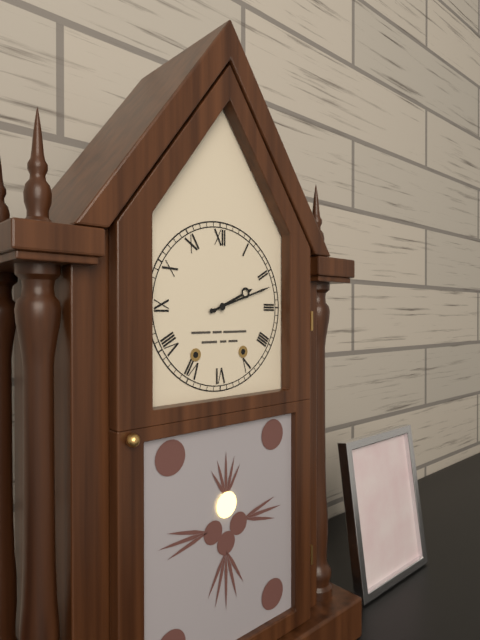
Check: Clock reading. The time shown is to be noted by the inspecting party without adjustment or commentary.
2:12
